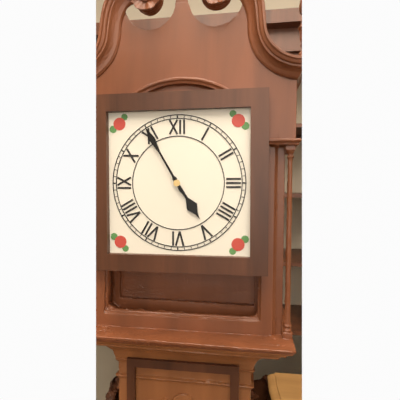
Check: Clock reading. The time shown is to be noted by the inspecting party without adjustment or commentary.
4:55
